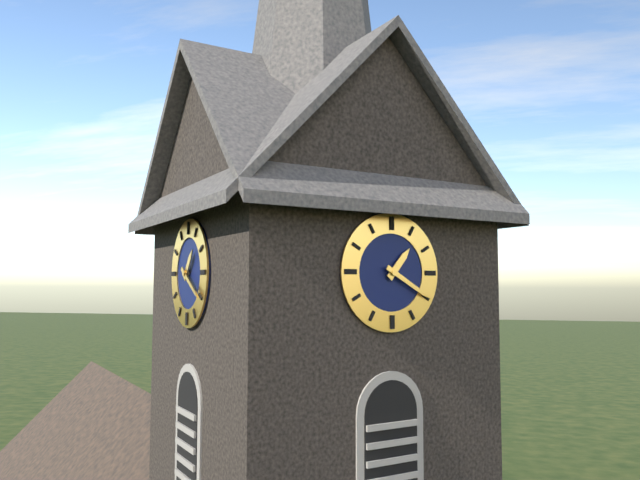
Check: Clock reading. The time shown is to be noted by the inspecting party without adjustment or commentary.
1:20
